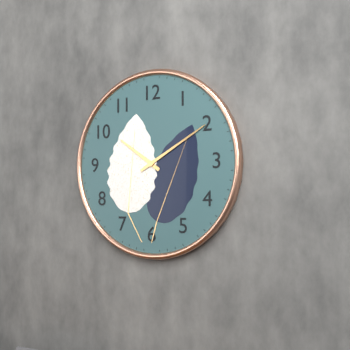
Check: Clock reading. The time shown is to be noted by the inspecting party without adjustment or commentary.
10:10
